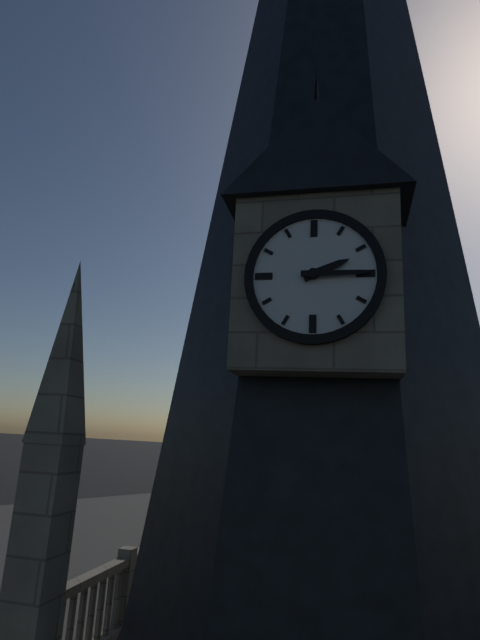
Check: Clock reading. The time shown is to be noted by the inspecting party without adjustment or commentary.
2:15
